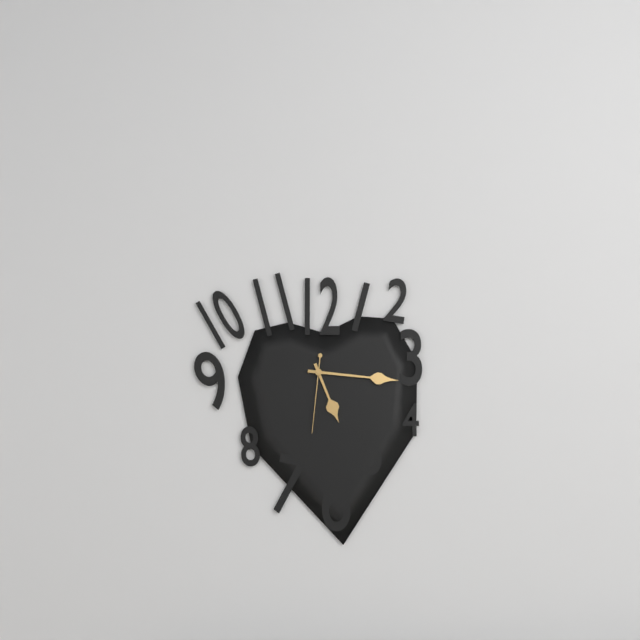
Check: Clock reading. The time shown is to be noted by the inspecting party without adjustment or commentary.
5:16:31
